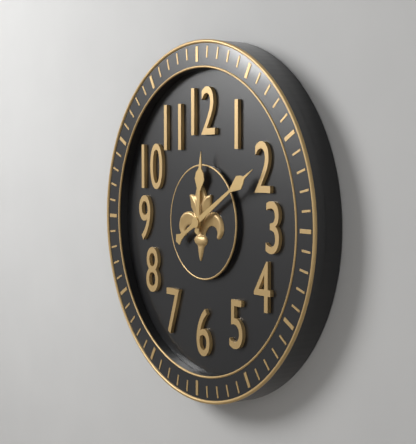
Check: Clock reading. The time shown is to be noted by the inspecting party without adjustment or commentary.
12:10
